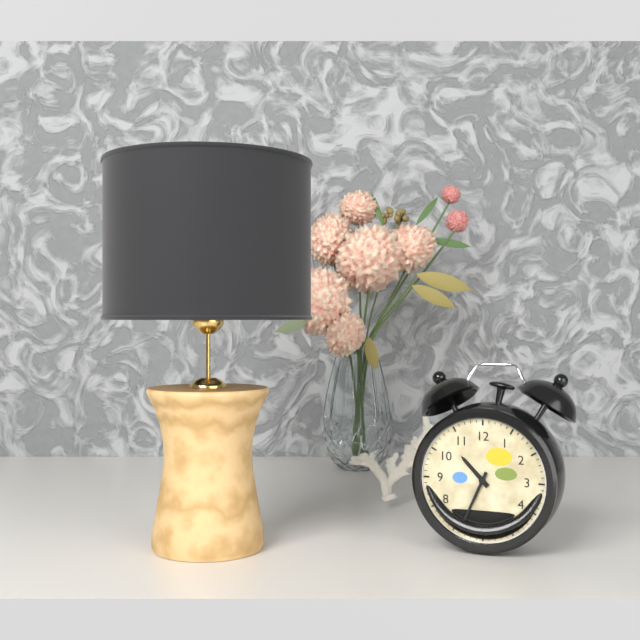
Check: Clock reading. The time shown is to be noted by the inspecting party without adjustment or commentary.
10:34
